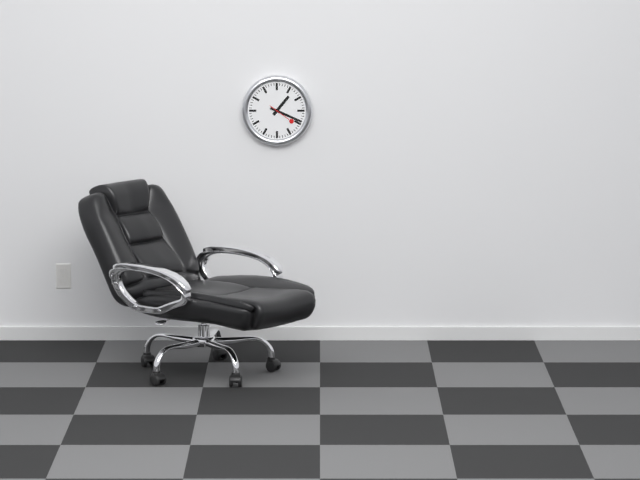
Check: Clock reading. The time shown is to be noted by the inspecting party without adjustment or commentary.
1:19
